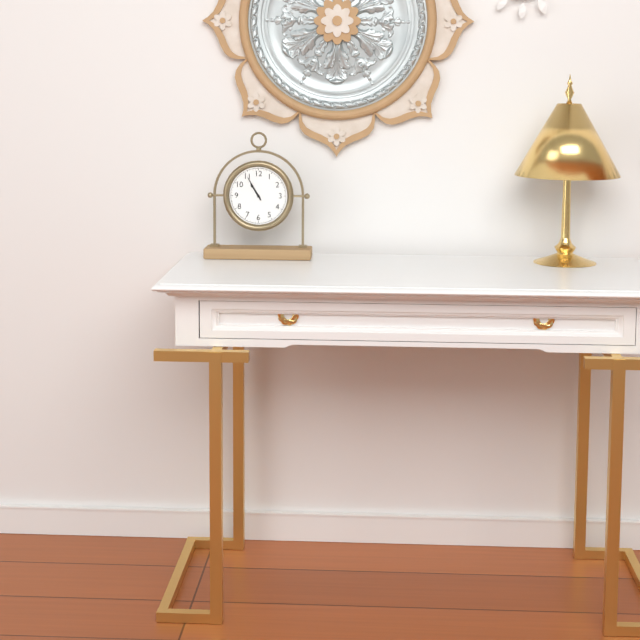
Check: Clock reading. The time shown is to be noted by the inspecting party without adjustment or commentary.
10:55
